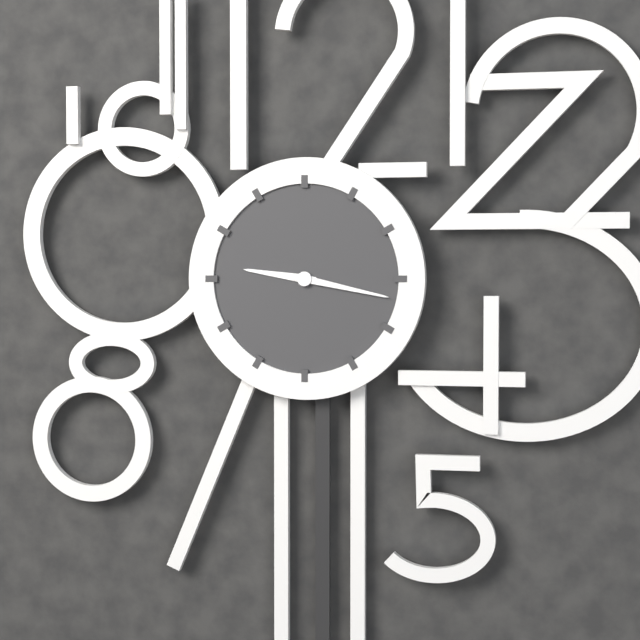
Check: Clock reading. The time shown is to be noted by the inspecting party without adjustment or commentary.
9:17
